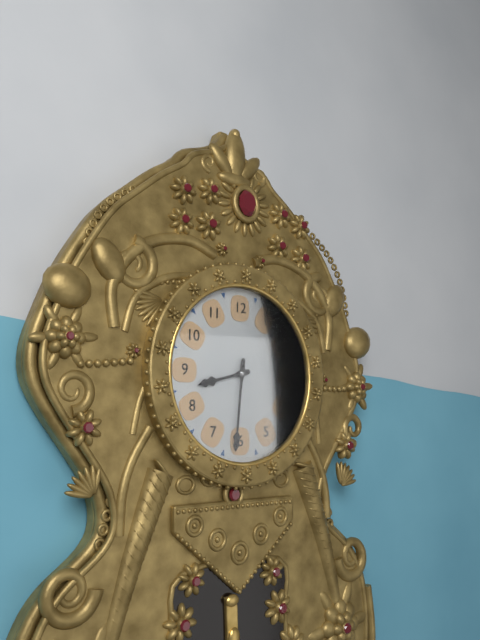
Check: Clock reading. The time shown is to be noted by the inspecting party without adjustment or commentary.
8:31
